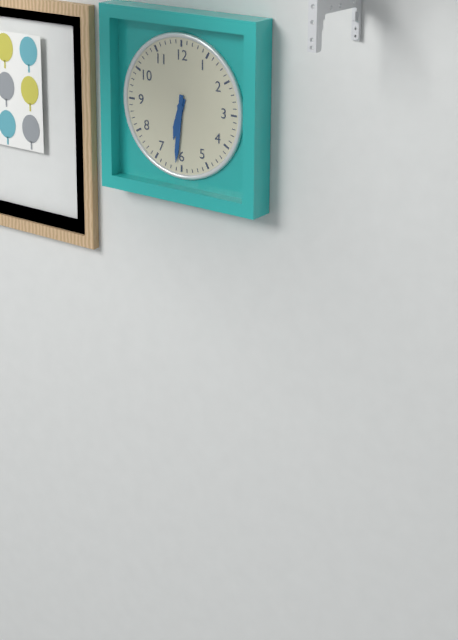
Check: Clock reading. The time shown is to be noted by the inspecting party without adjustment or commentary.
6:31
